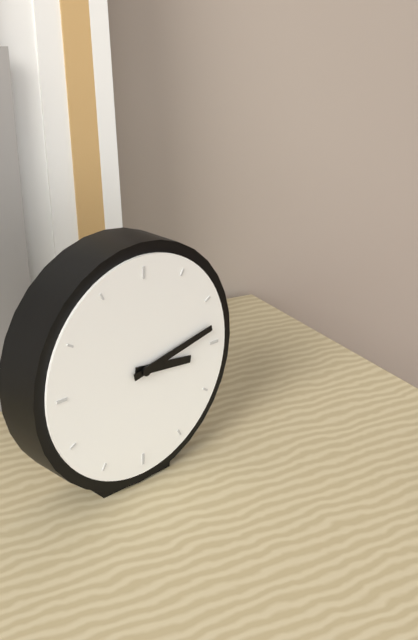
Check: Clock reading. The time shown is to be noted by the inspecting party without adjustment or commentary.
3:13
